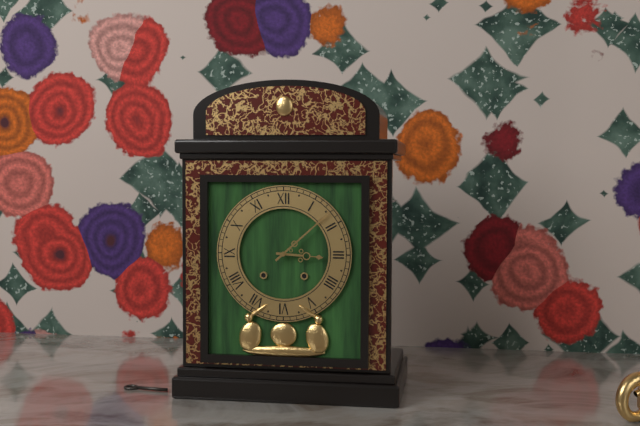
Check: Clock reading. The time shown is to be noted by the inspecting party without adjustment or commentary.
3:08
